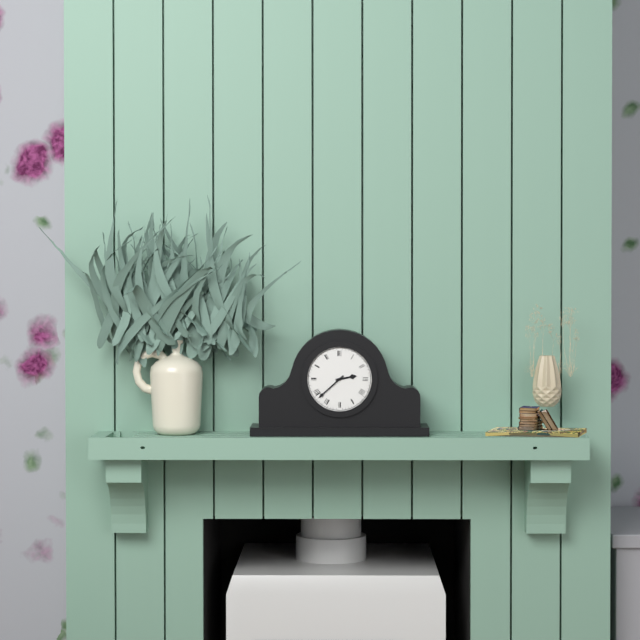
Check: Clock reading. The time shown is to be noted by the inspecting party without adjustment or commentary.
2:38
